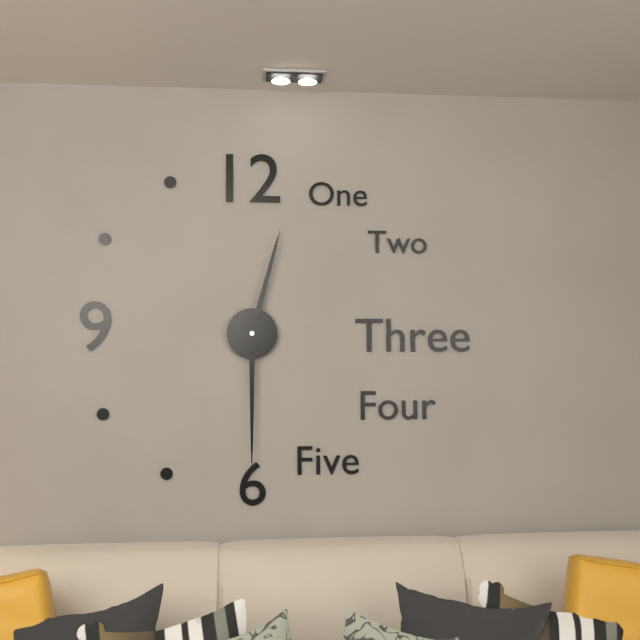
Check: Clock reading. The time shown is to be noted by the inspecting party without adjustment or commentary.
12:30
